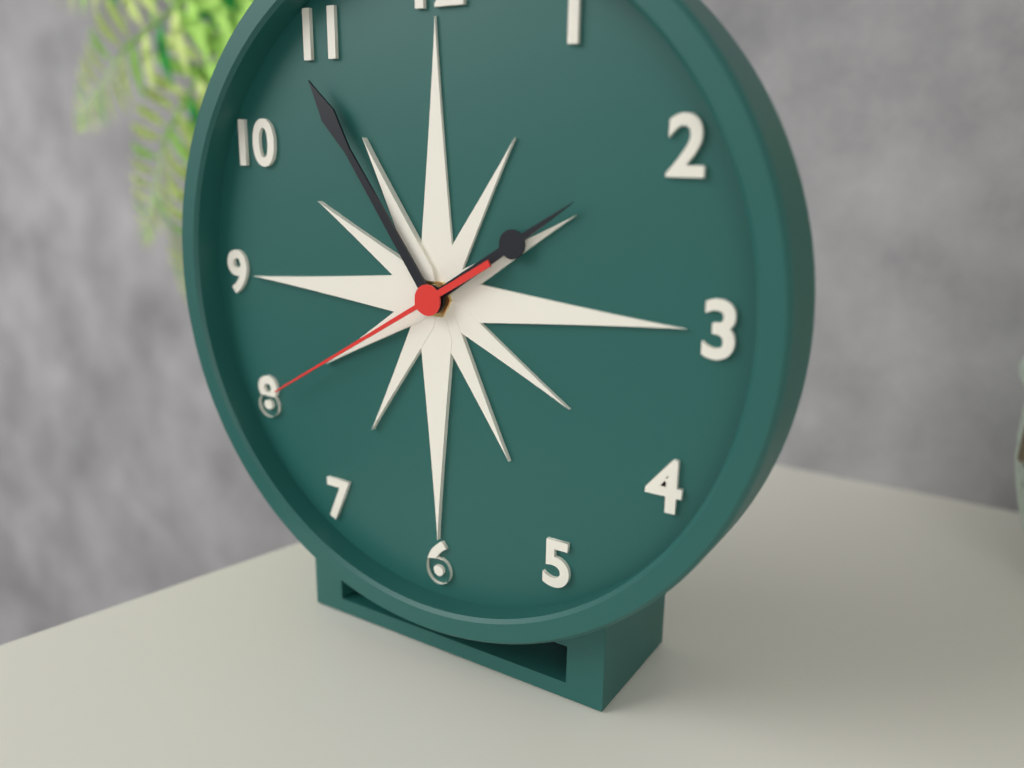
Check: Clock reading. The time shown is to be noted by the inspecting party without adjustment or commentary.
1:54:40
